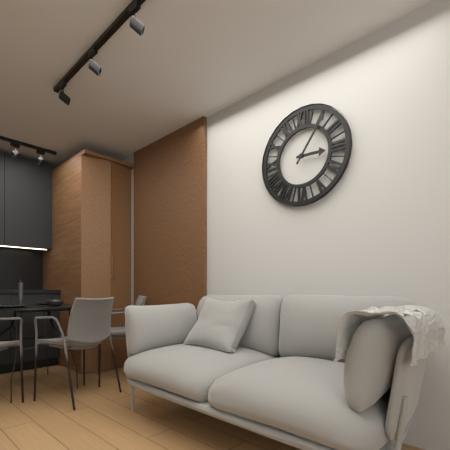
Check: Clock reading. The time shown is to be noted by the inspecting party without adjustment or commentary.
3:06
